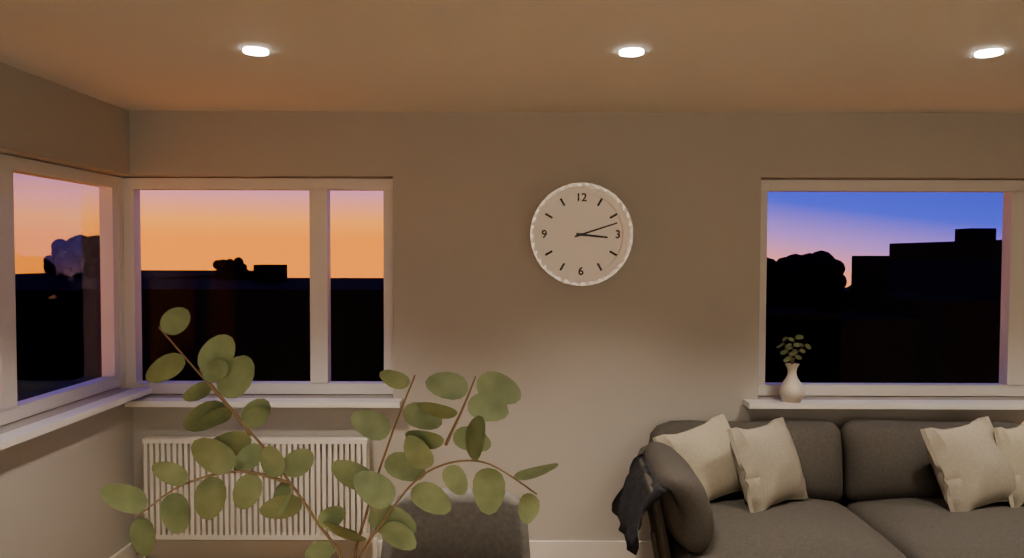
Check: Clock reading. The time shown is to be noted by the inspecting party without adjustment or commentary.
3:12
